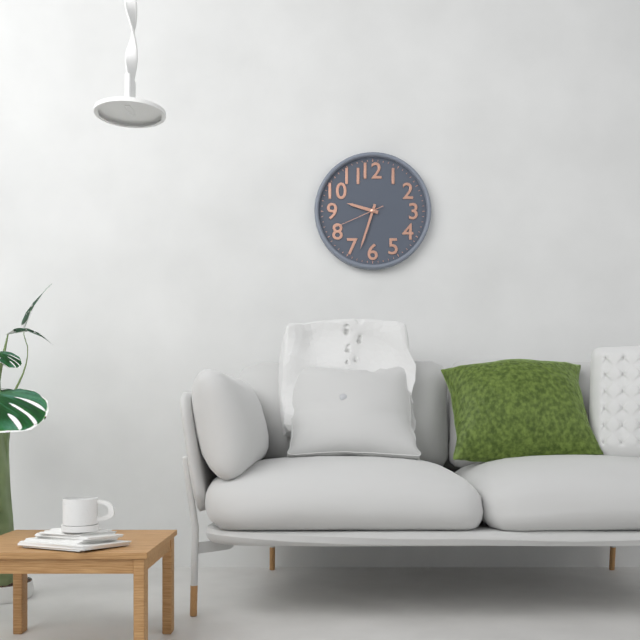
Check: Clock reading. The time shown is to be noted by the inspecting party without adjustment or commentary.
9:33:41
